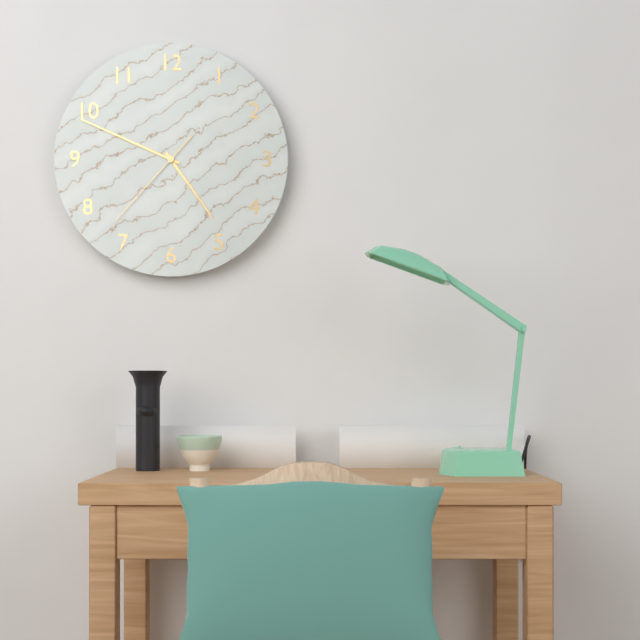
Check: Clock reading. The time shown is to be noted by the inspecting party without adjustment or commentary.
4:49:37
